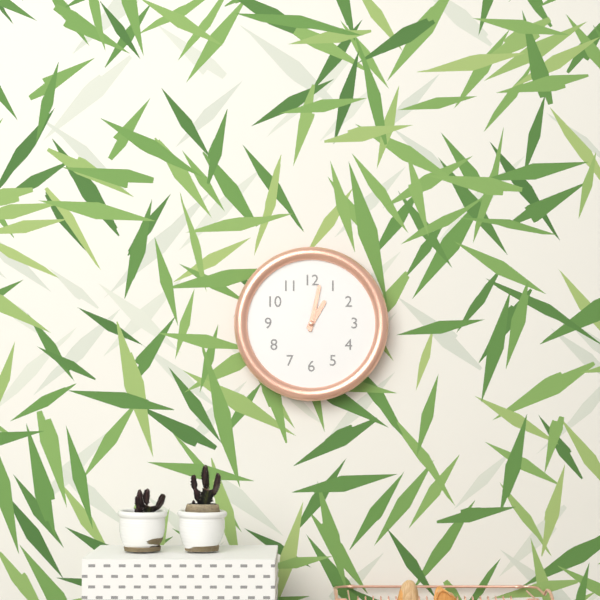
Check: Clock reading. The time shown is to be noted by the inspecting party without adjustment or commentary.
1:02
